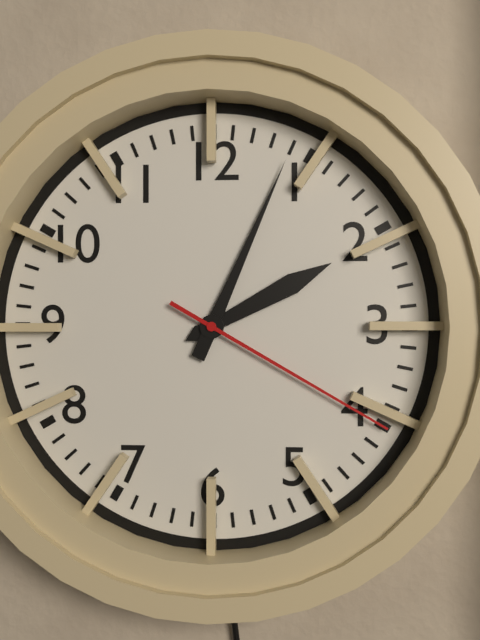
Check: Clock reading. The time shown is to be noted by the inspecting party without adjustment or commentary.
2:04:20
